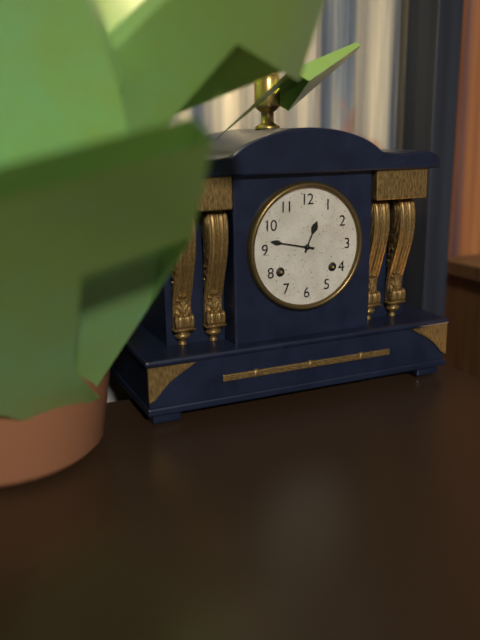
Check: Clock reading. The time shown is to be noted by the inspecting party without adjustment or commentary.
12:47
